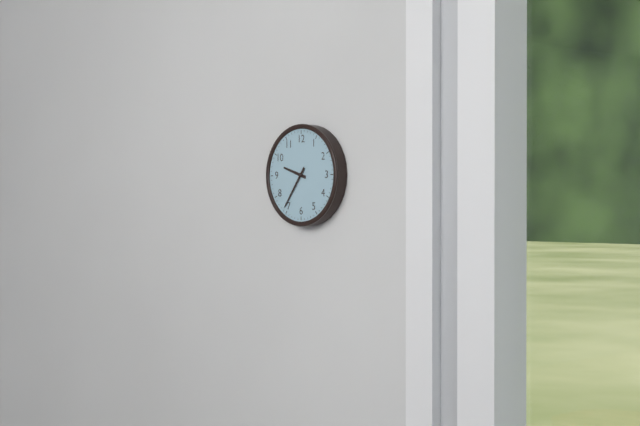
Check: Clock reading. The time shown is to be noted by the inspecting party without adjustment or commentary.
9:36
